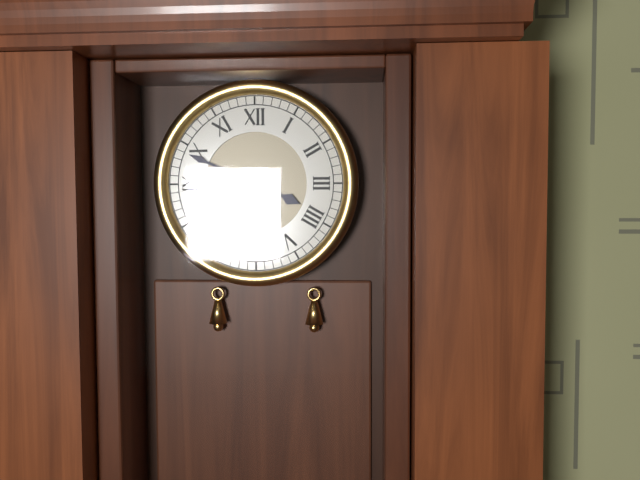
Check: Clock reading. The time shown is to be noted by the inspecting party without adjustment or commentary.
3:49
